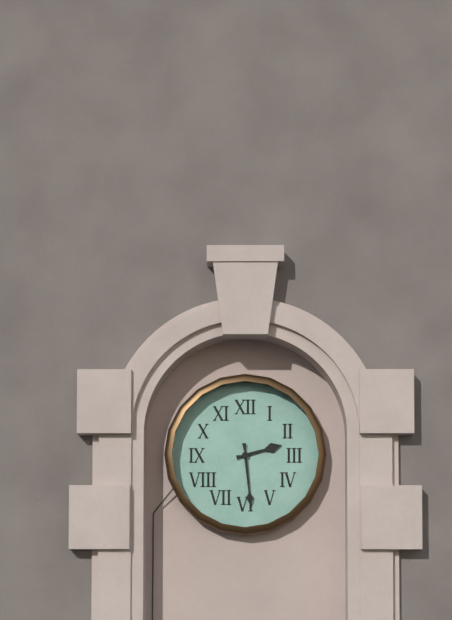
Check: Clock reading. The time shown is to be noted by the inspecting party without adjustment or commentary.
2:29
